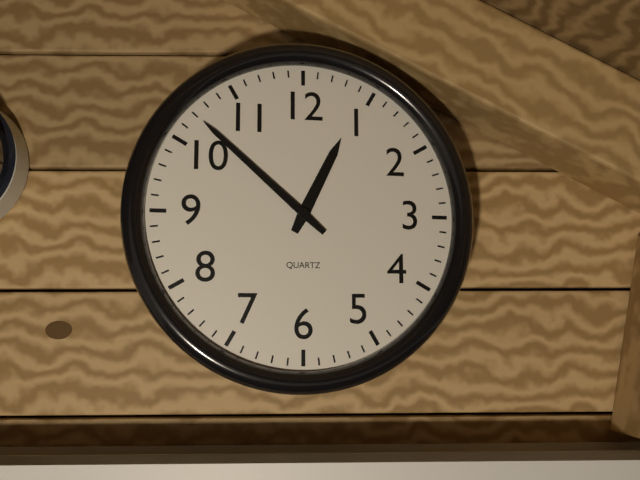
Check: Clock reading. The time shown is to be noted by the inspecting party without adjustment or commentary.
12:52
